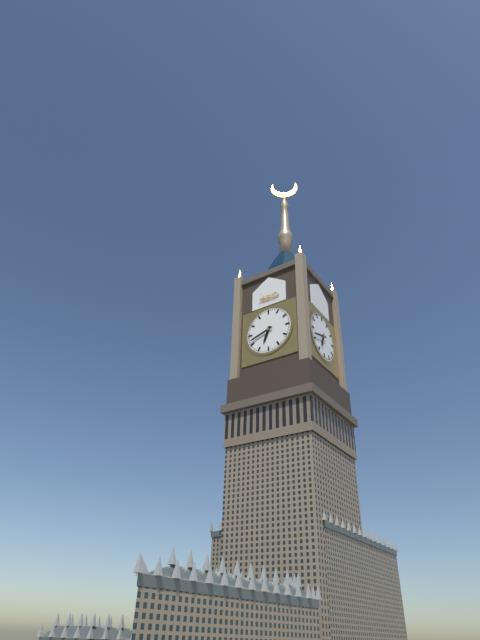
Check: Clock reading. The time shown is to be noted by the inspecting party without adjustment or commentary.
6:42
